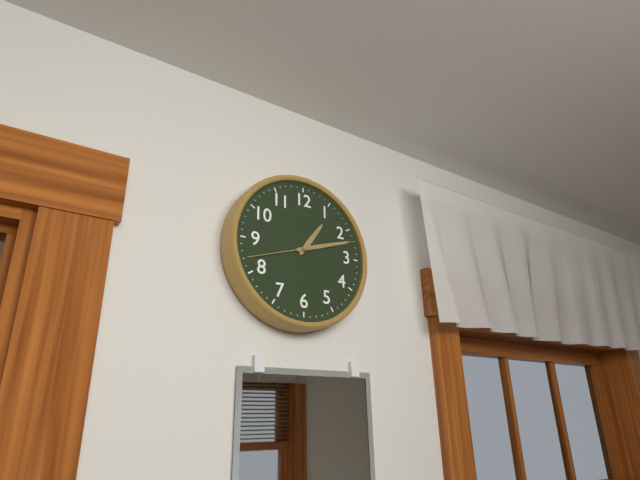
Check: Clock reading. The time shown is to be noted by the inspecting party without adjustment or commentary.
1:12:42
